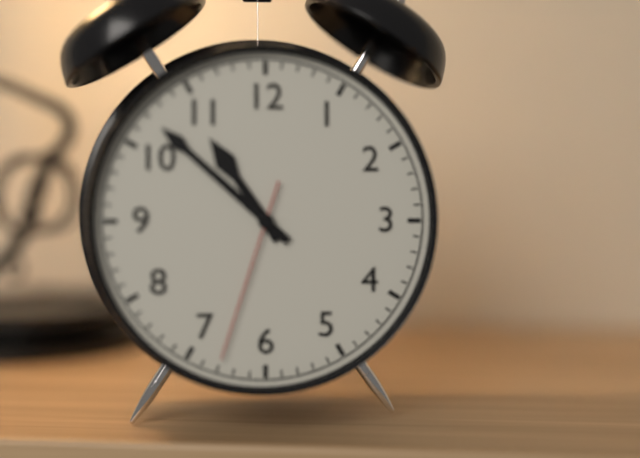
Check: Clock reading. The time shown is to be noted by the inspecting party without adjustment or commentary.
10:52:33
